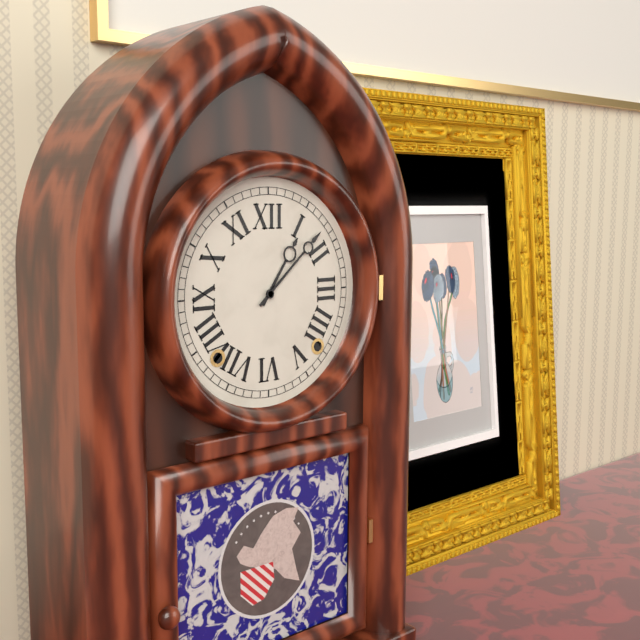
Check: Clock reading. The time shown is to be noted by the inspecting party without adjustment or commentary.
1:08
